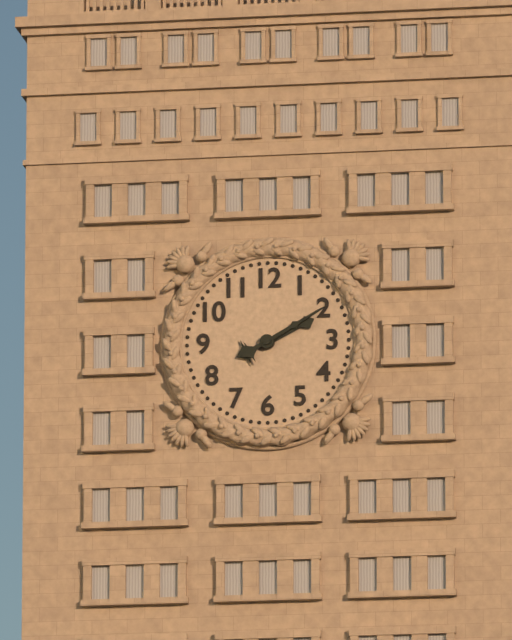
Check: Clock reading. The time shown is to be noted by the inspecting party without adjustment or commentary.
2:10
